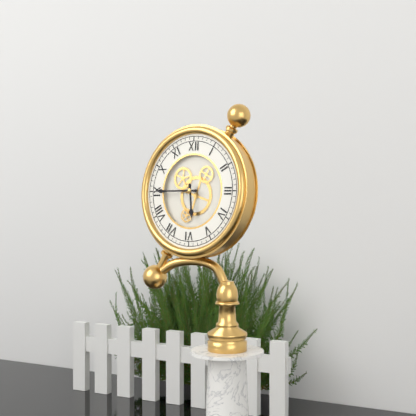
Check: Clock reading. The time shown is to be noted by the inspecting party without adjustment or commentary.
5:45
